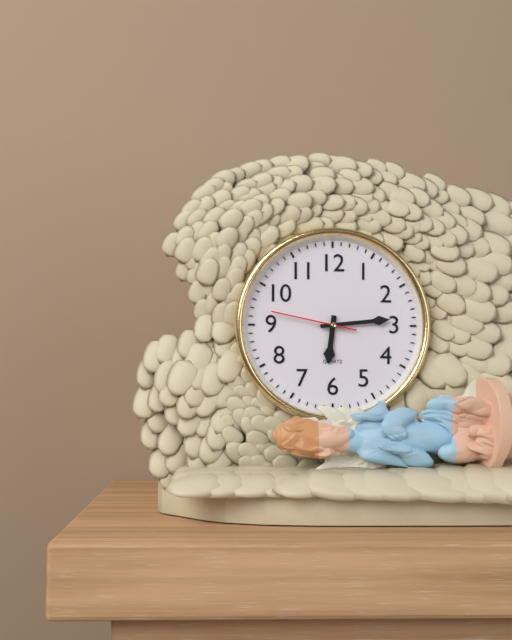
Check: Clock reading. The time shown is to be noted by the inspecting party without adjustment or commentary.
6:14:47
